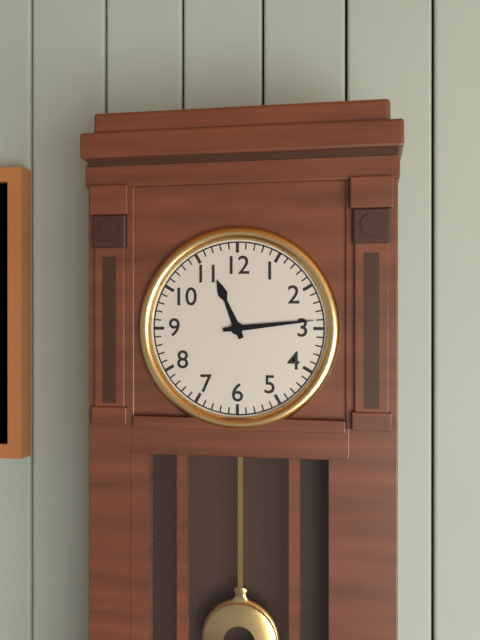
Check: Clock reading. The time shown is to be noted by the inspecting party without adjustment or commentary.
11:14
